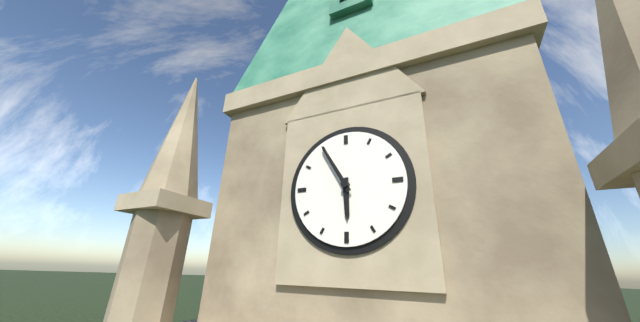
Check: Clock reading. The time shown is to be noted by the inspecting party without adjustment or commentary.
5:55
